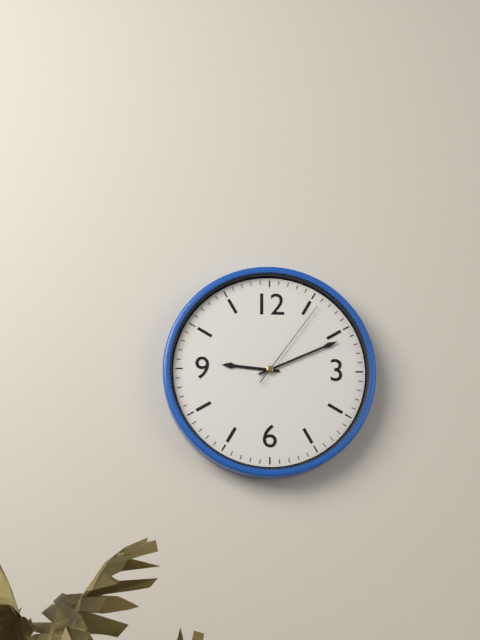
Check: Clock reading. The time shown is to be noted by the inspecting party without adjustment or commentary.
9:11:06
